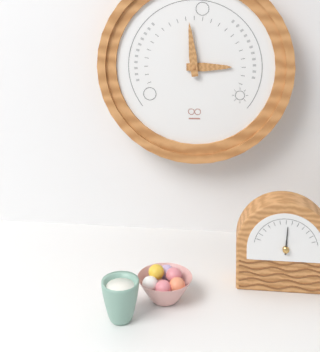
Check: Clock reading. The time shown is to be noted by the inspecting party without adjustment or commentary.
2:59
